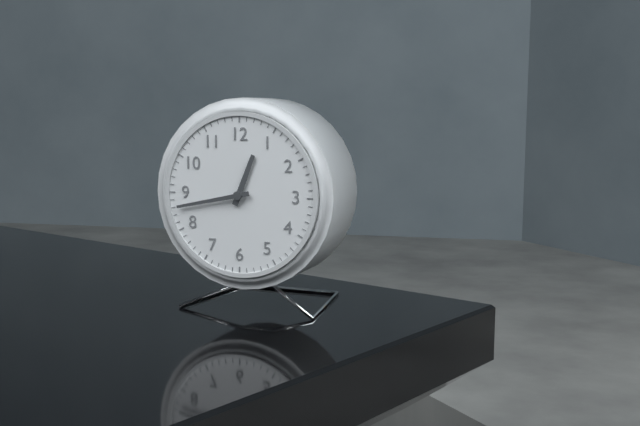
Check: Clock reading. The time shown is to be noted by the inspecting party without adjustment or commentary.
12:43
